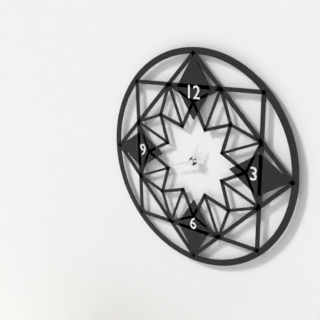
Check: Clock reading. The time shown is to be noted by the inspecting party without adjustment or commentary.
12:42
